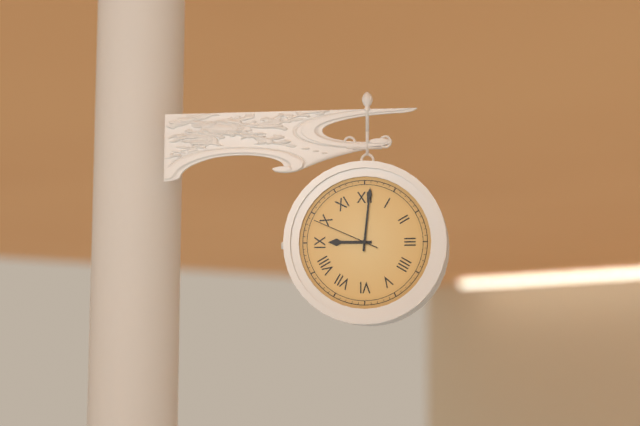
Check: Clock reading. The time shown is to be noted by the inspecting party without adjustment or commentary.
9:01:49
